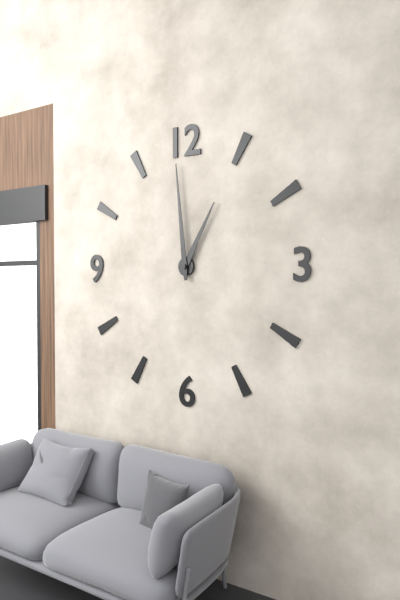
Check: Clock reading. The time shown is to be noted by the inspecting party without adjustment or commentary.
12:59
